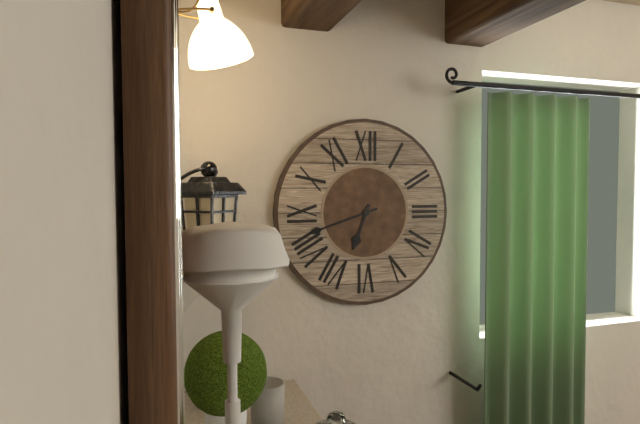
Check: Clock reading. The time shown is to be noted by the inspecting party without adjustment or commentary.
6:42
